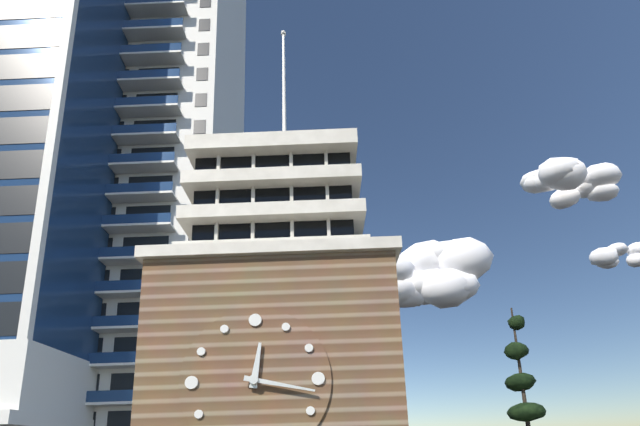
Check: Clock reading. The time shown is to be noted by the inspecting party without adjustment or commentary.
12:17
